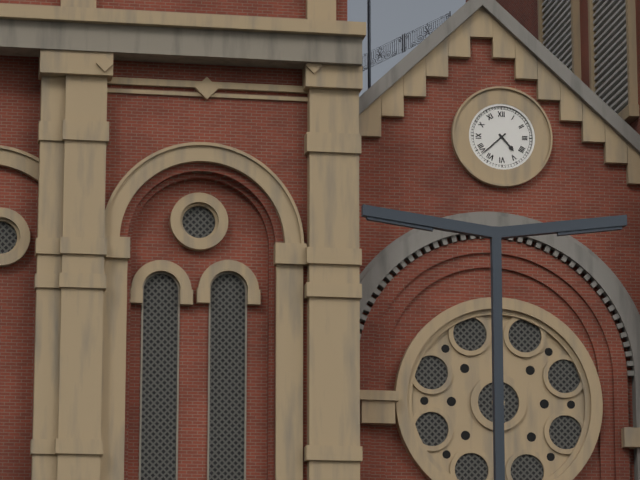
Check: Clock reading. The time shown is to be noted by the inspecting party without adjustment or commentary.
4:38
